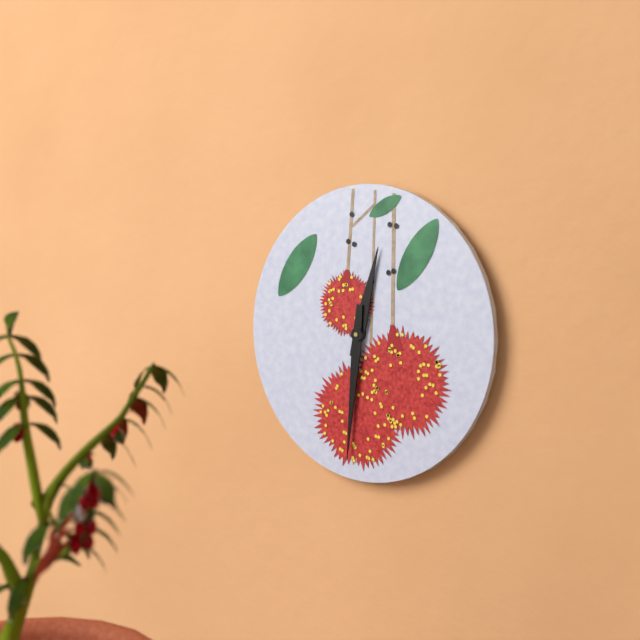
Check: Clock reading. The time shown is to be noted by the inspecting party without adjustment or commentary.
12:31
